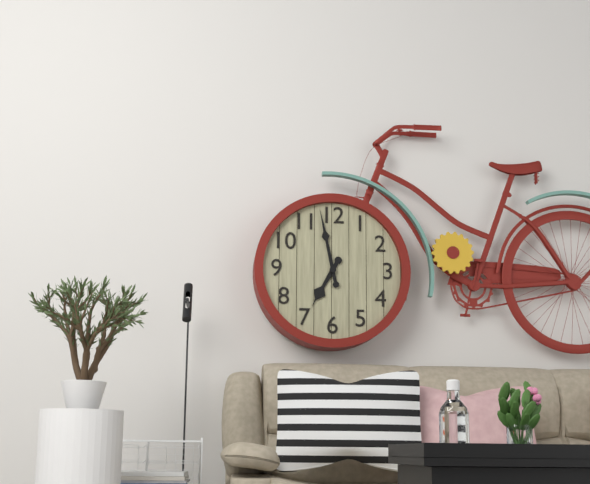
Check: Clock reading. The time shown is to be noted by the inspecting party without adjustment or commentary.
6:58
